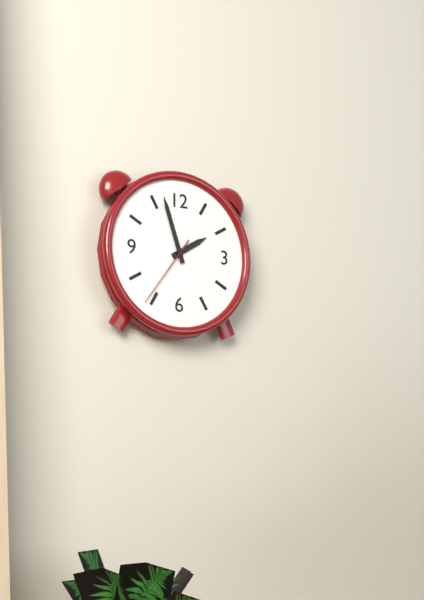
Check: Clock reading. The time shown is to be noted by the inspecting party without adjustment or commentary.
1:57:36
